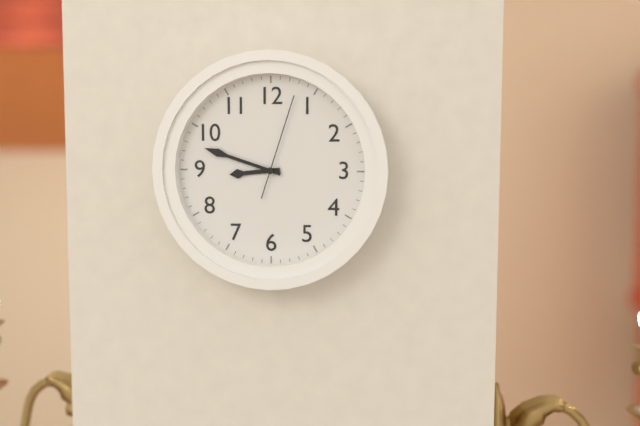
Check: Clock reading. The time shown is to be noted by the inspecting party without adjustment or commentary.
8:48:03
